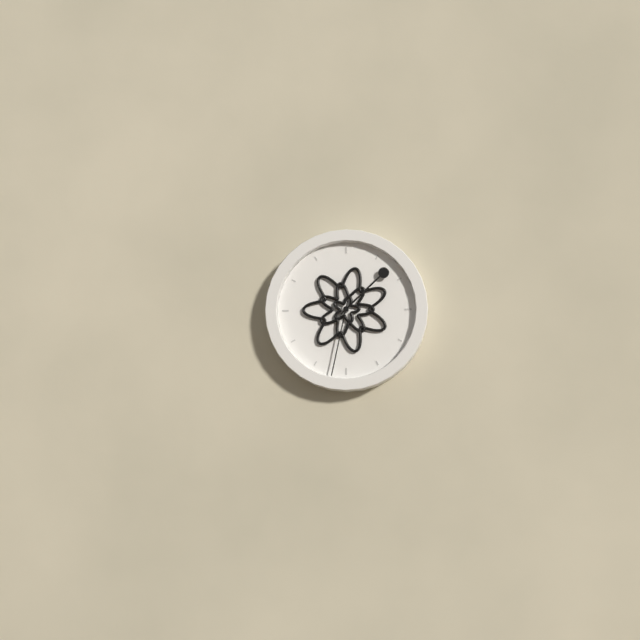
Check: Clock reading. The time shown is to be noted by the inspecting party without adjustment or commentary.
1:32
